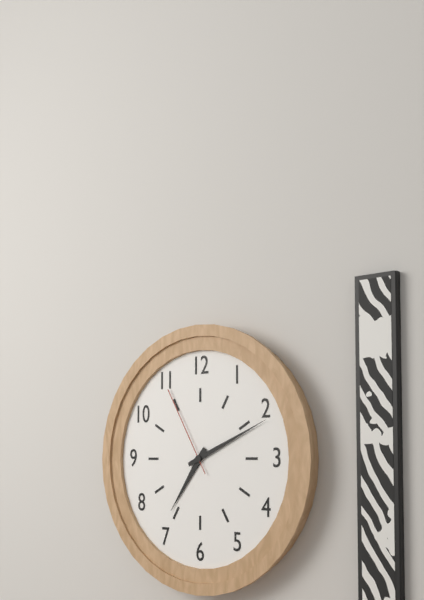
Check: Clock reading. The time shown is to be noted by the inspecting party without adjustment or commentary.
7:11:55
